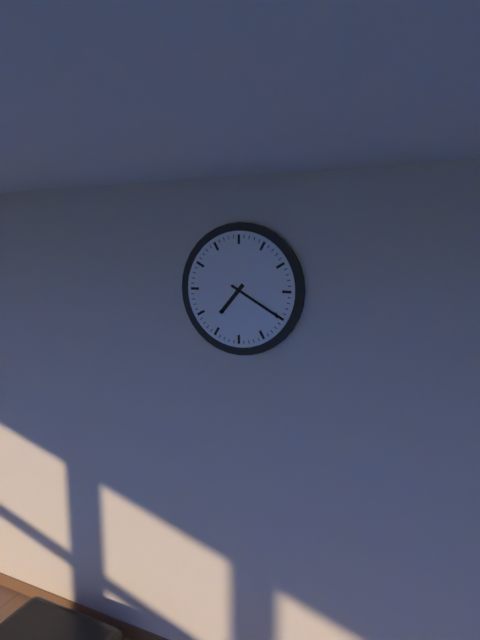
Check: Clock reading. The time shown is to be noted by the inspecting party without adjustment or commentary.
7:20
